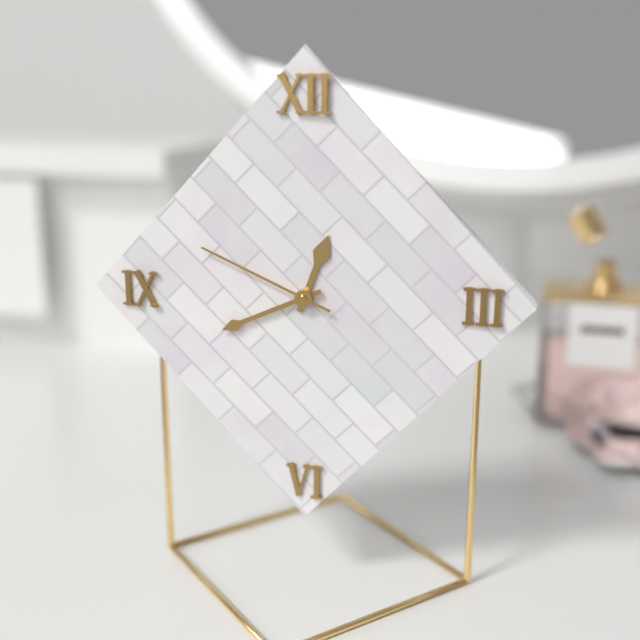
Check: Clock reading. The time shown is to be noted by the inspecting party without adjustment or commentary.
12:41:49
